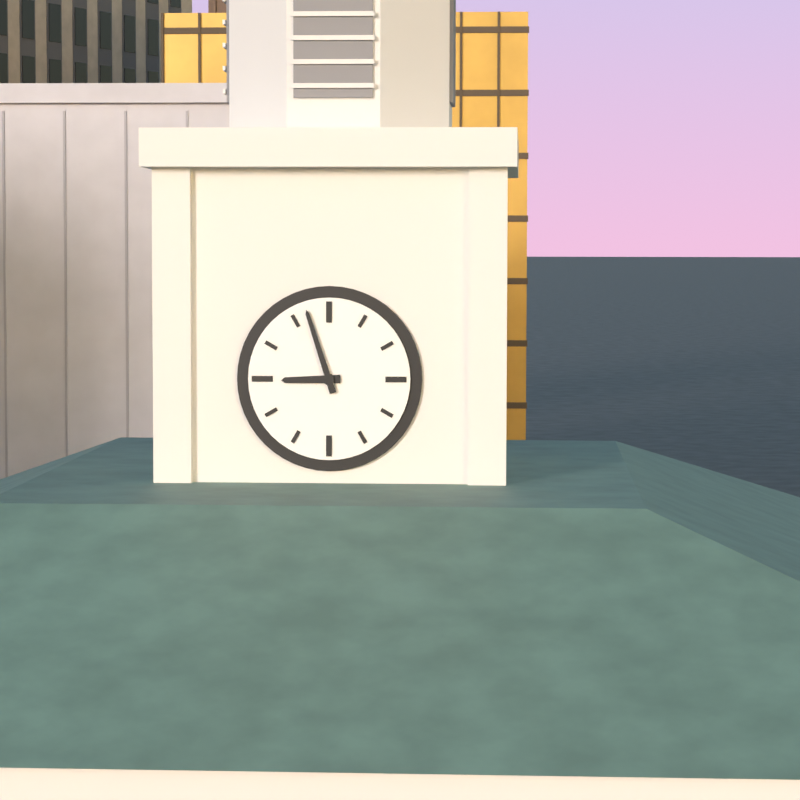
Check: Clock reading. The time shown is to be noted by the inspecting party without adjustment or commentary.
8:57
